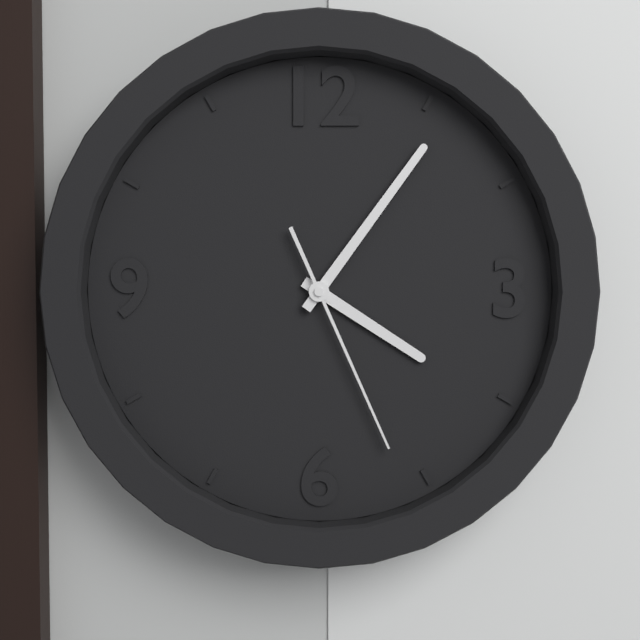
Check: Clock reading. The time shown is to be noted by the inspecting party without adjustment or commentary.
4:06:26
